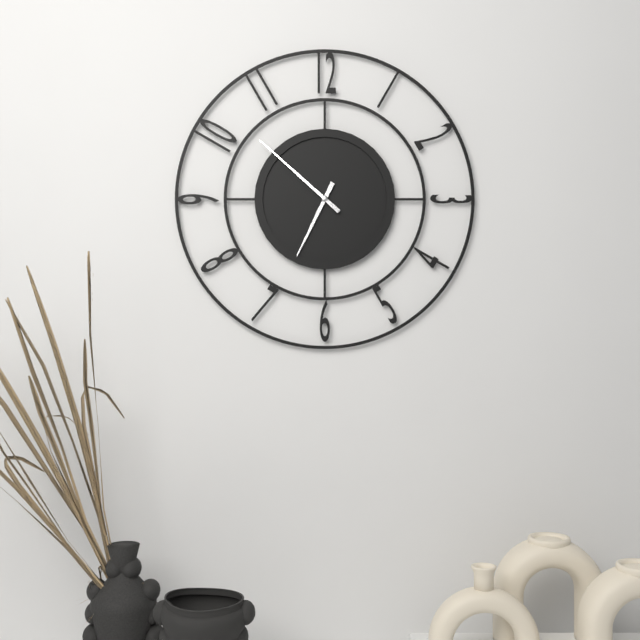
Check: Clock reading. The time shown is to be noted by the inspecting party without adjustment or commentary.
6:52
